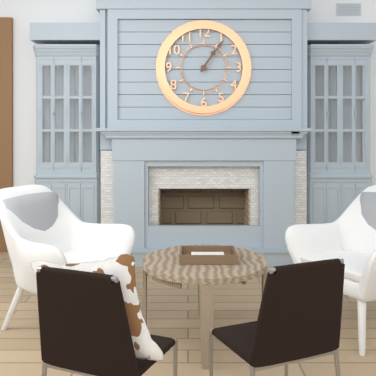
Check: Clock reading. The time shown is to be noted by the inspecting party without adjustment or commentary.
1:06
